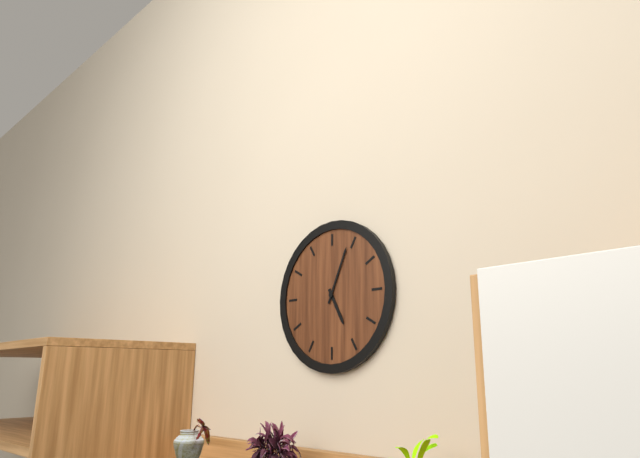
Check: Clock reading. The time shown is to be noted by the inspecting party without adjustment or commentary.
5:04
